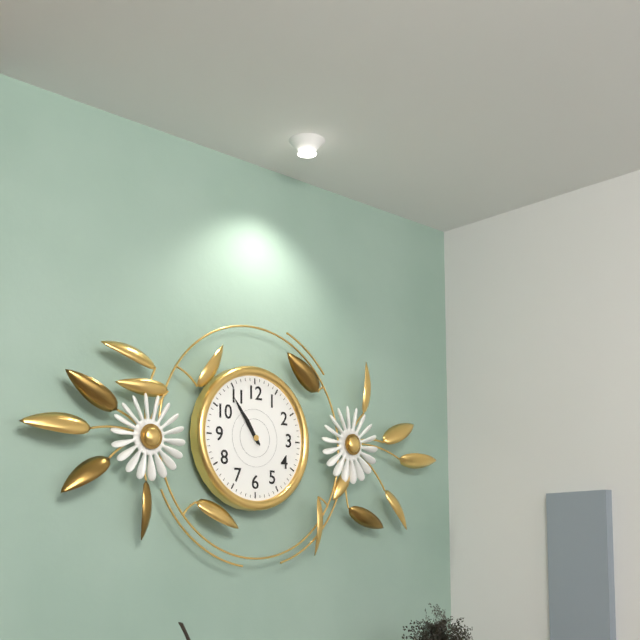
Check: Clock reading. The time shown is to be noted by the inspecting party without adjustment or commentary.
10:54
